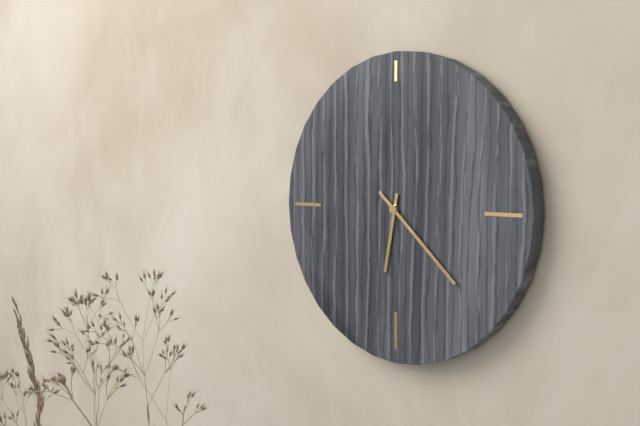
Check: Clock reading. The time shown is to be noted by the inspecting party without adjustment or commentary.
6:22
